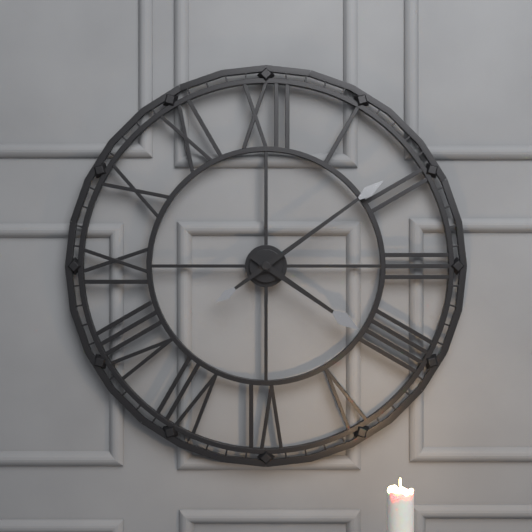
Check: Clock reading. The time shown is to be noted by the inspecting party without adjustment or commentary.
4:09
